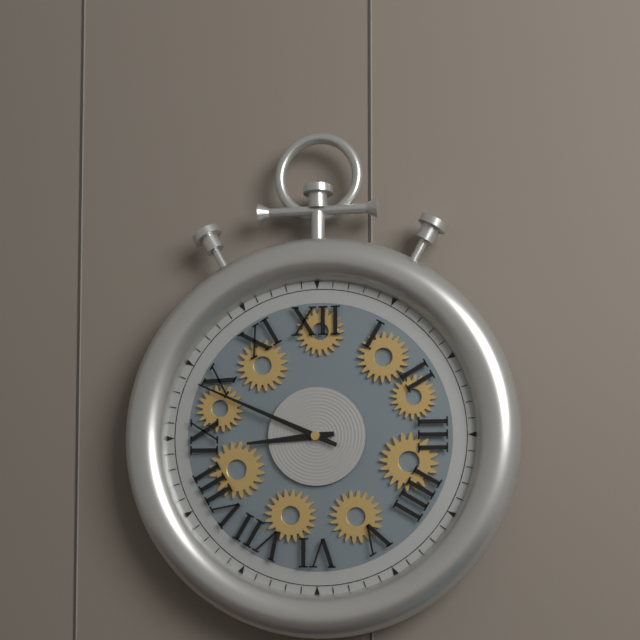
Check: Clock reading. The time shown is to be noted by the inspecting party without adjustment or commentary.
8:49
